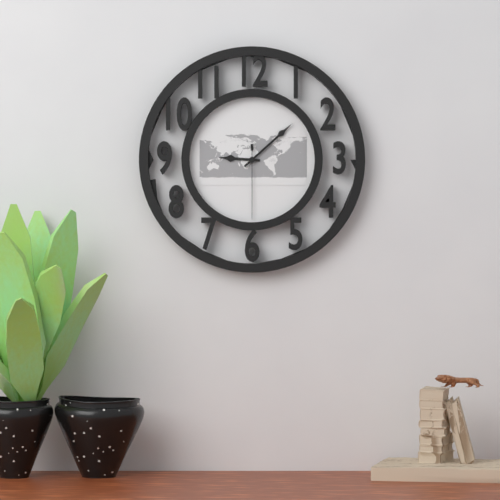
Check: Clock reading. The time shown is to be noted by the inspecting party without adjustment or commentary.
9:08:30
